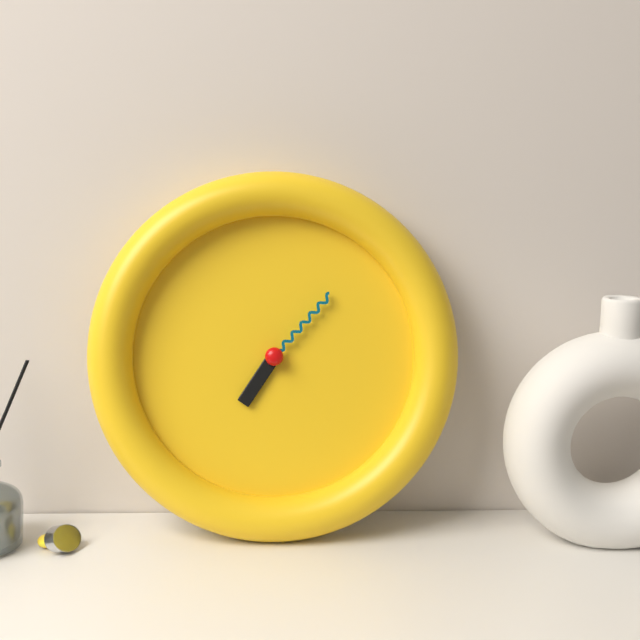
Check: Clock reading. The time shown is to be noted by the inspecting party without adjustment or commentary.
7:07
